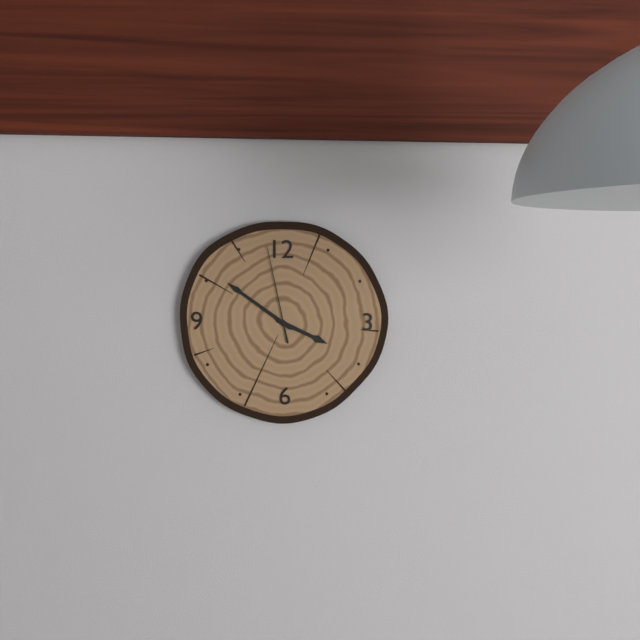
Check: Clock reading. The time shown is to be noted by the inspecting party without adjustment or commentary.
3:51:58
